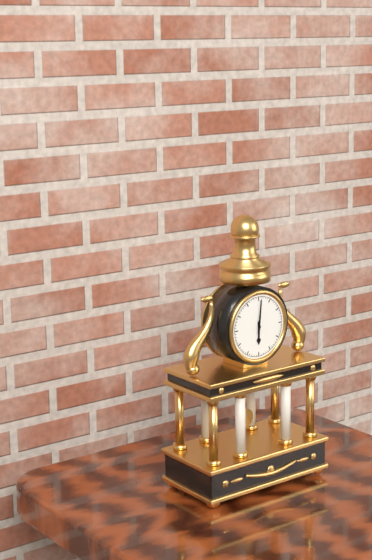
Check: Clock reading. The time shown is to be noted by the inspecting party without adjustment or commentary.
6:01
